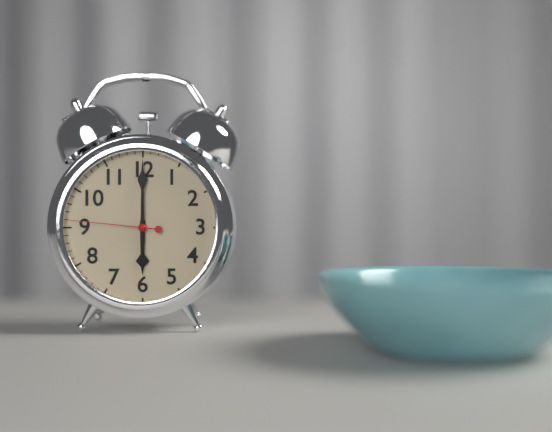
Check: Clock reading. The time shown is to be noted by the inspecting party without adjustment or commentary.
6:00:46
